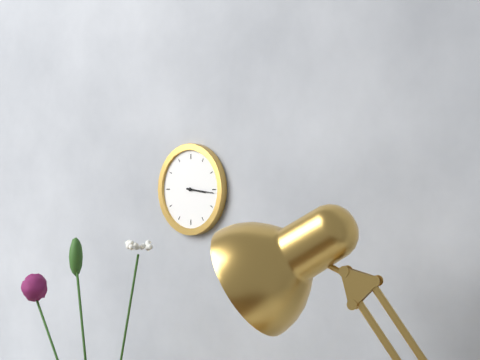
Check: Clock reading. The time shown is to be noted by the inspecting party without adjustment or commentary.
3:16
